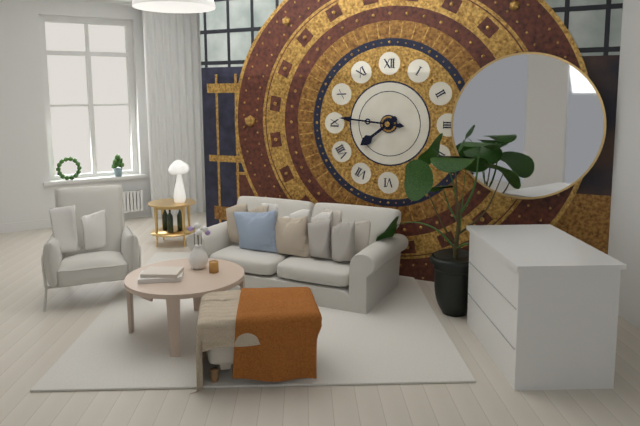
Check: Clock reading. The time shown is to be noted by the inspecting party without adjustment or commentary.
7:46
